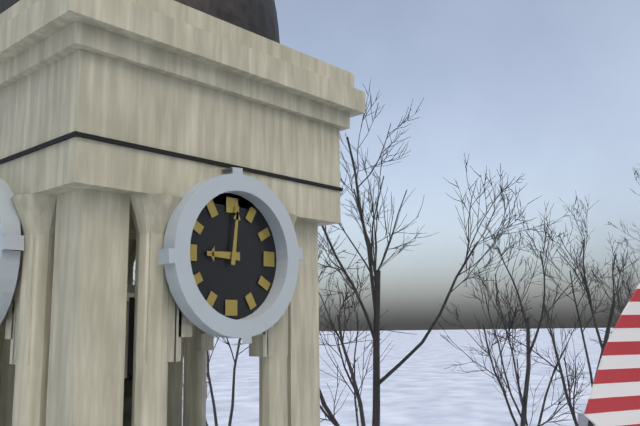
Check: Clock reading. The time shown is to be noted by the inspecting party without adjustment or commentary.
9:01
